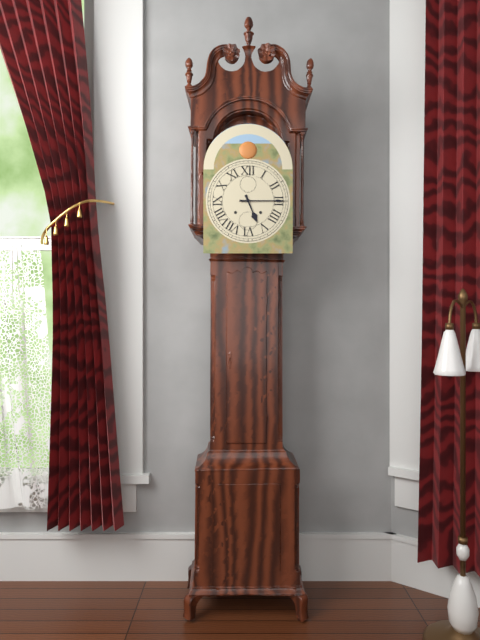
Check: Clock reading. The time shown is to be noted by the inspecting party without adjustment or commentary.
5:15
